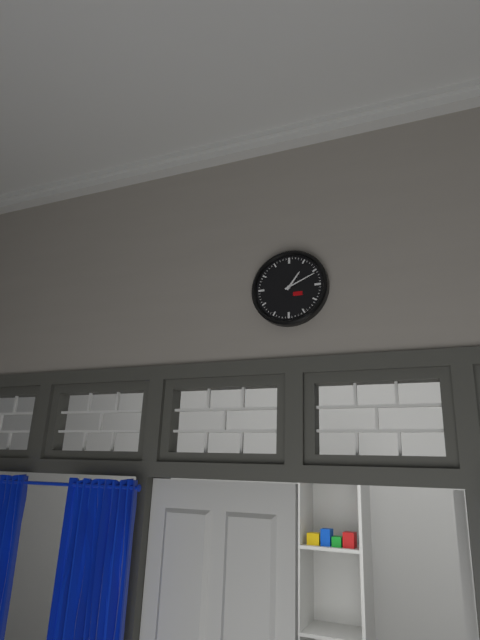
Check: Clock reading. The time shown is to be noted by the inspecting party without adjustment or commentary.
1:11
